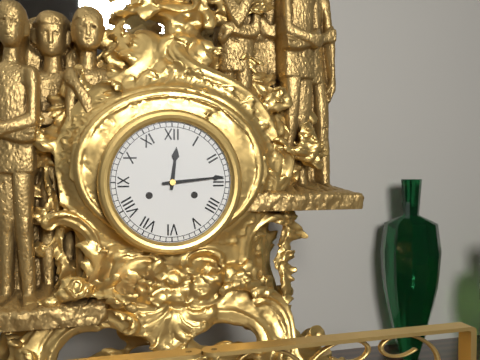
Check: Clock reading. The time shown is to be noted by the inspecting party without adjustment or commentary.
12:14
